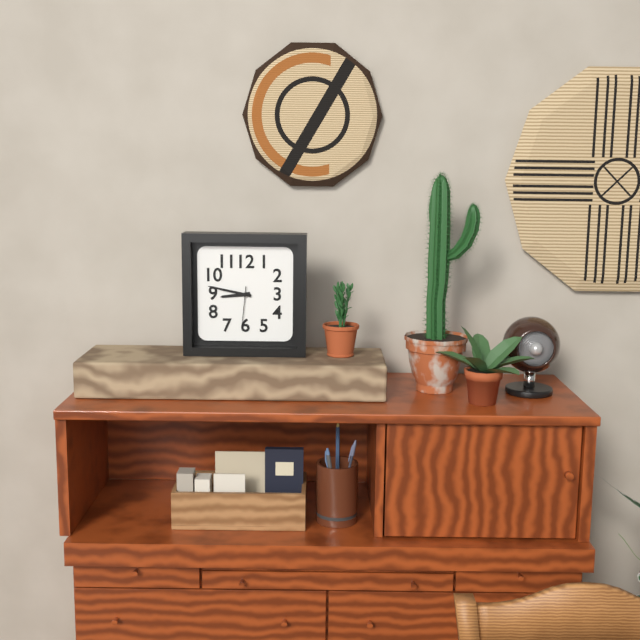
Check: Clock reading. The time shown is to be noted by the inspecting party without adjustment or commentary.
8:47
